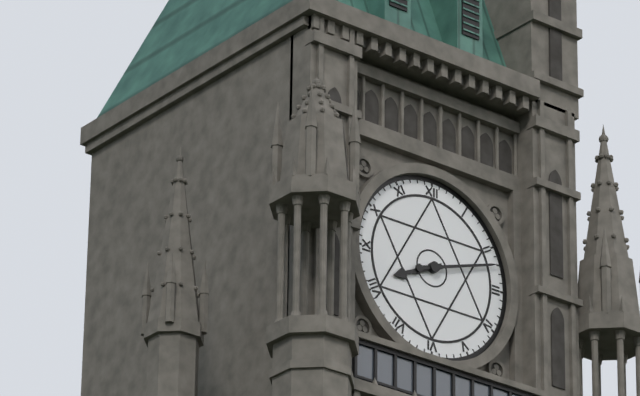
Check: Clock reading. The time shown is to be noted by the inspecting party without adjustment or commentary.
8:12
